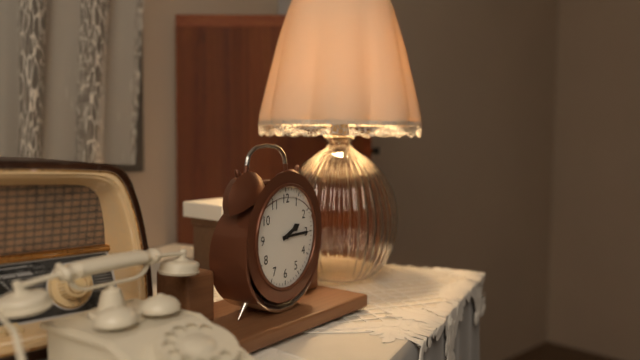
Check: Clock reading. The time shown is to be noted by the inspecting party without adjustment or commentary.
2:15
